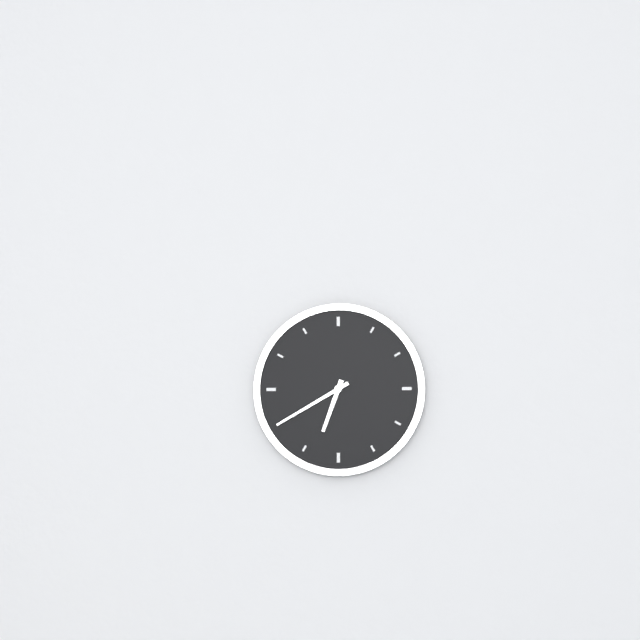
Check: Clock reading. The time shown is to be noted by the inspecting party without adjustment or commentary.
6:40
